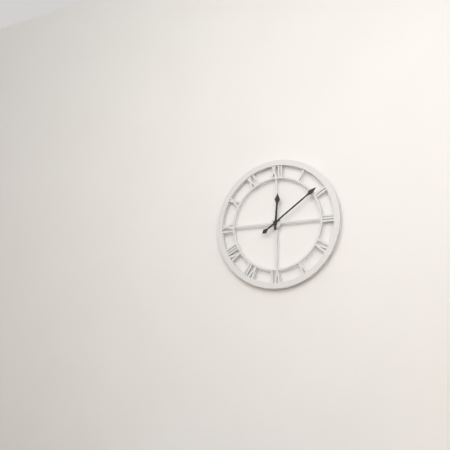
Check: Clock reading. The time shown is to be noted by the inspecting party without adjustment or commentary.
12:09
